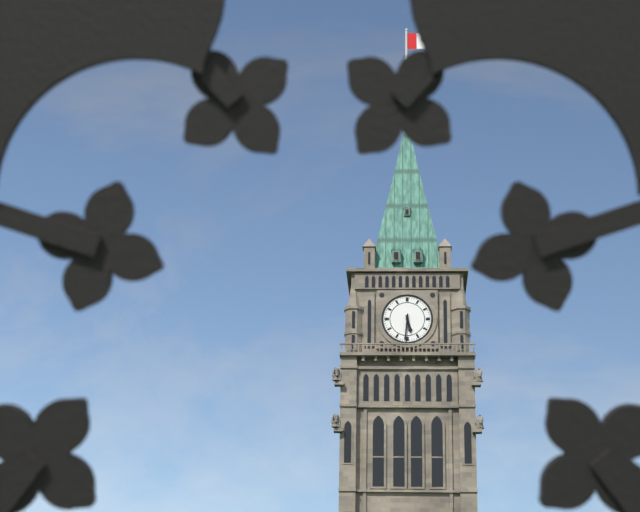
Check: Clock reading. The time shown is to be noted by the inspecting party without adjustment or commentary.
5:31
